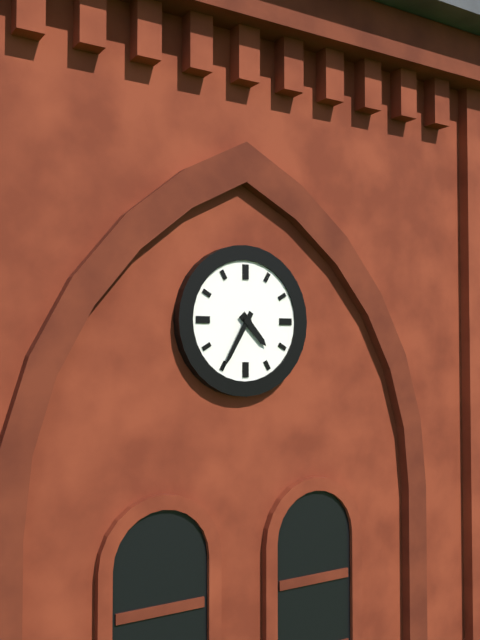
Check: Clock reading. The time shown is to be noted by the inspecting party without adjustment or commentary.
4:35
